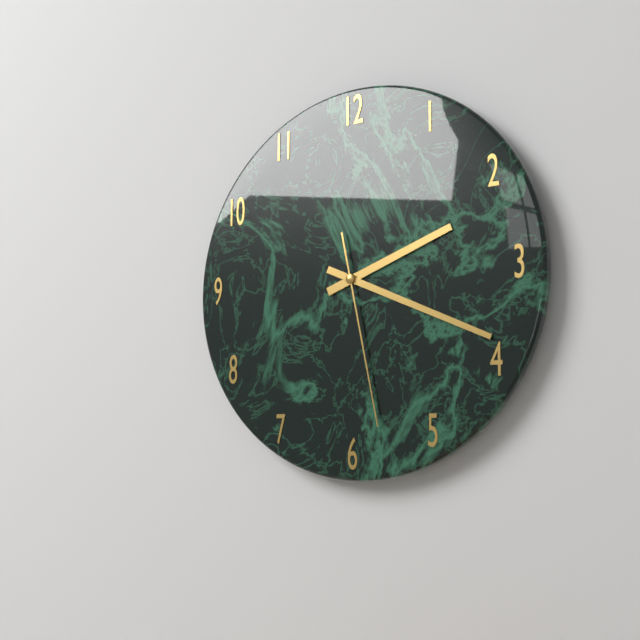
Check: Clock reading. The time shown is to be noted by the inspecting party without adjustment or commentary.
2:19:28
